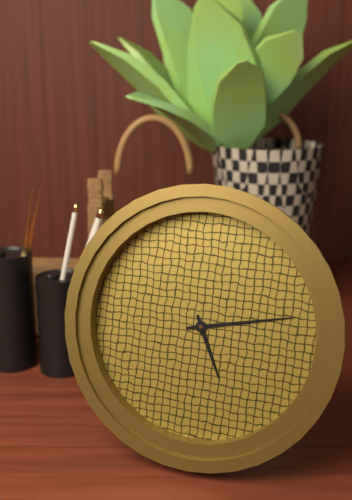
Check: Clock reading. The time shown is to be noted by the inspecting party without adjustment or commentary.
5:13
